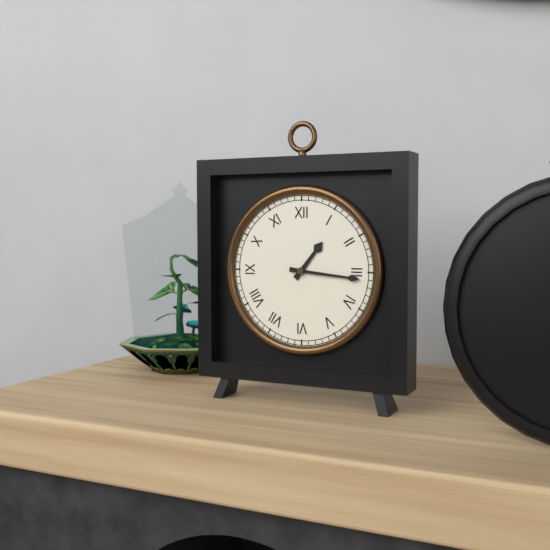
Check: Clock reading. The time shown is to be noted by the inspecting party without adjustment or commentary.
1:16
